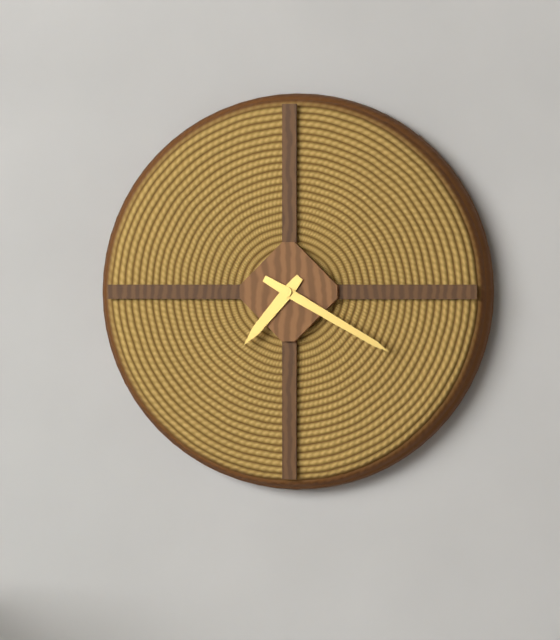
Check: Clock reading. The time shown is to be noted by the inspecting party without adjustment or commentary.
7:20
